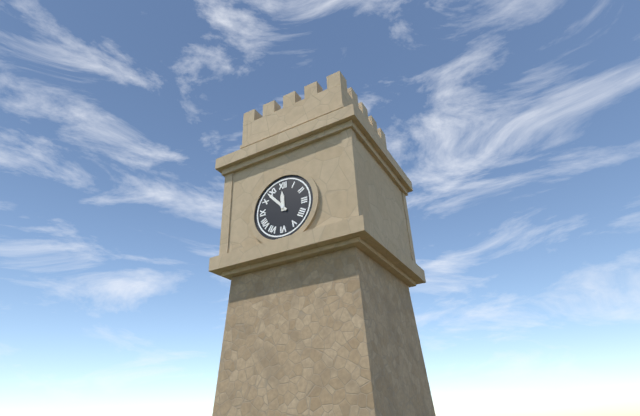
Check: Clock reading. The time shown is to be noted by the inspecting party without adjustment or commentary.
11:53
